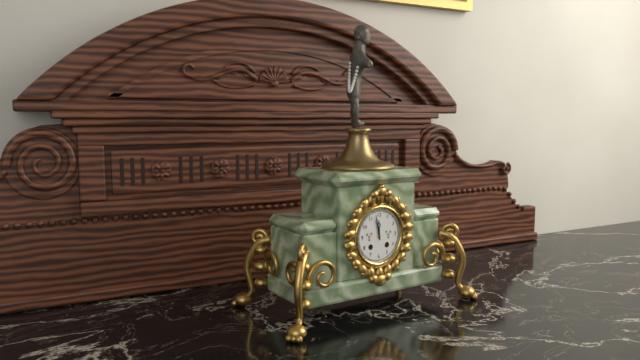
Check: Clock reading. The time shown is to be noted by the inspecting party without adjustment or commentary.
11:58
